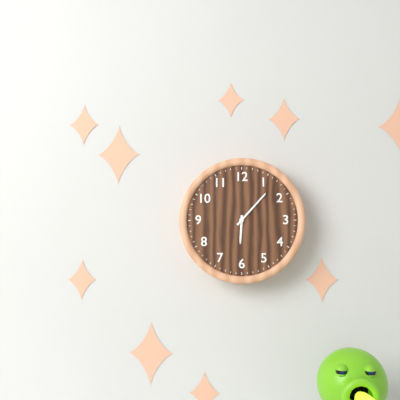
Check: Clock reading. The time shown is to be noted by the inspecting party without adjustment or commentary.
6:07
